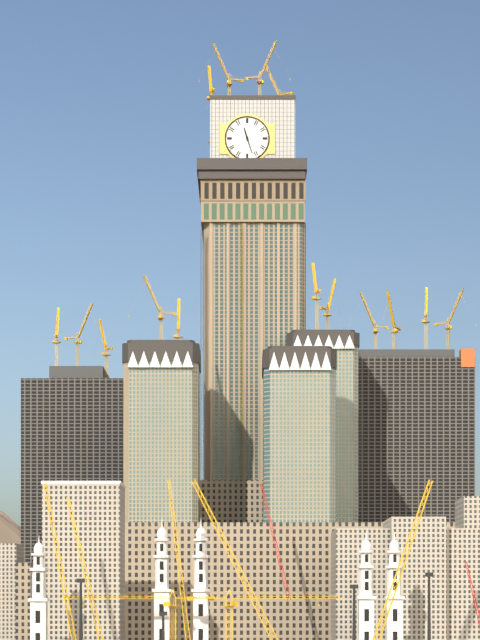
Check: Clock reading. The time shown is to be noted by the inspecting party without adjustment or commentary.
11:27
